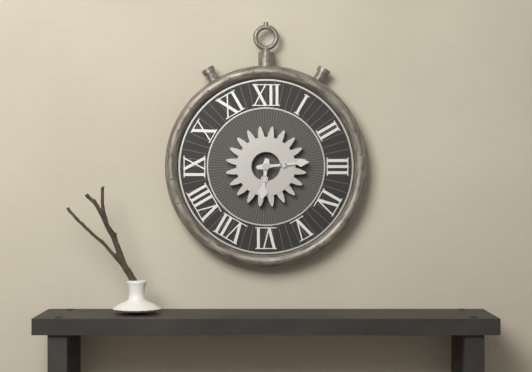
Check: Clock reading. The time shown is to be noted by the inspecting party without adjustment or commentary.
6:14
